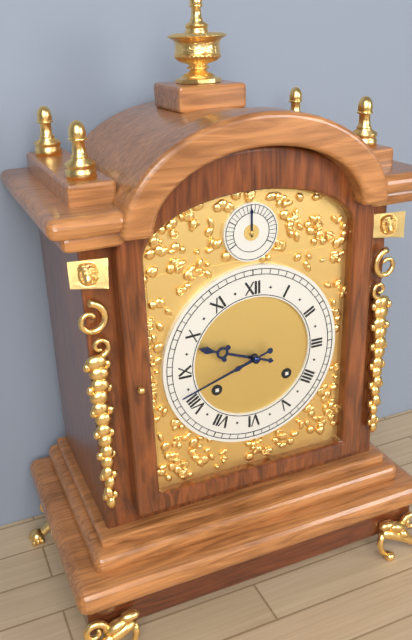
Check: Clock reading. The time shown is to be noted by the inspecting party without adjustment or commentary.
9:42
